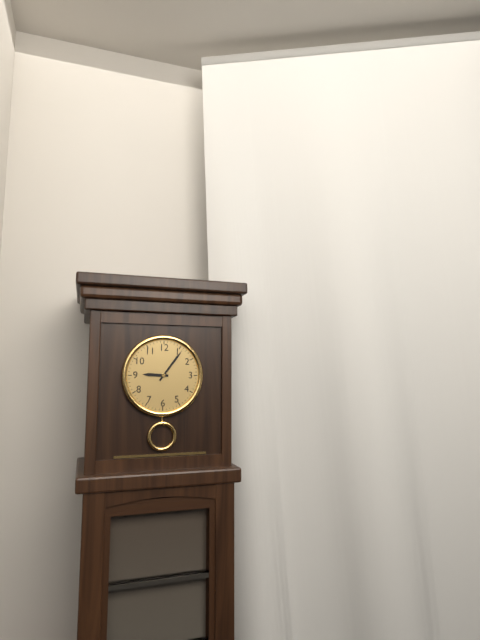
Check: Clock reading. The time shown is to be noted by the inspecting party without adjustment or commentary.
9:06
